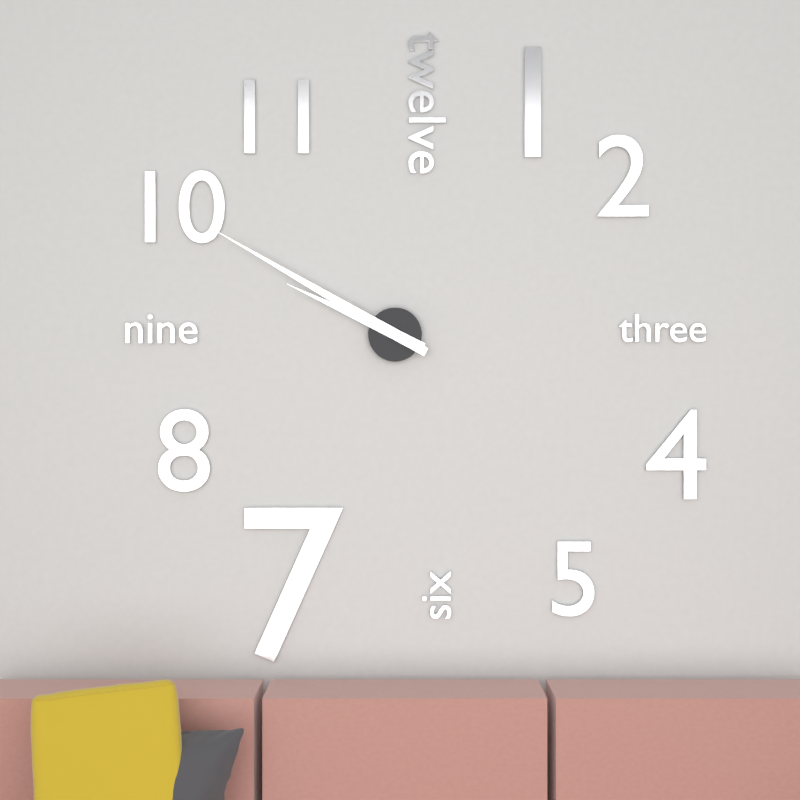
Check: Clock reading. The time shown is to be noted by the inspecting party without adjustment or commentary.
9:50
